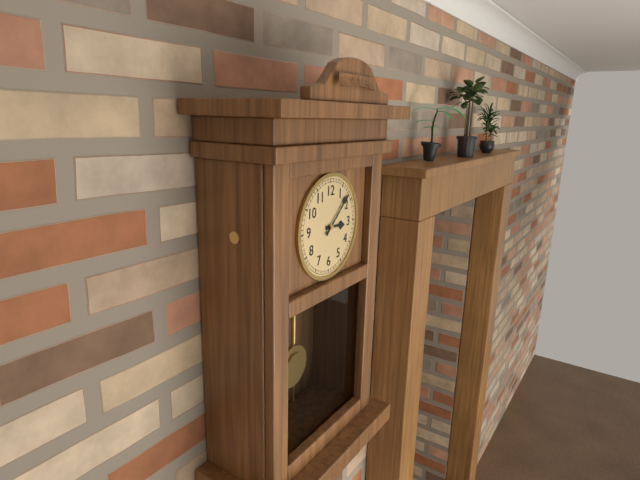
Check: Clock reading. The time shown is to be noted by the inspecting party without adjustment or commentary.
3:08
